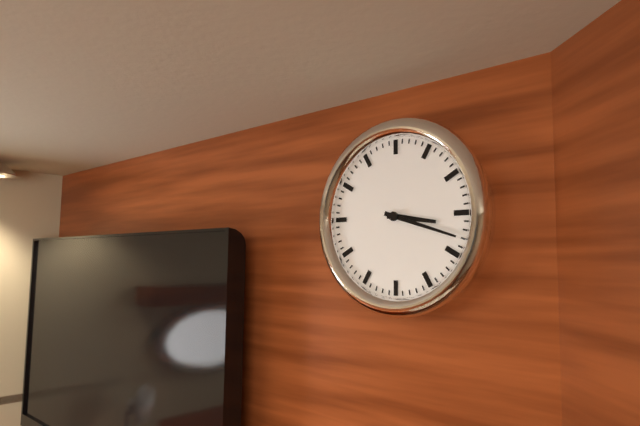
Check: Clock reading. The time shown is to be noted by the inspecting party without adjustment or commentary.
3:18
